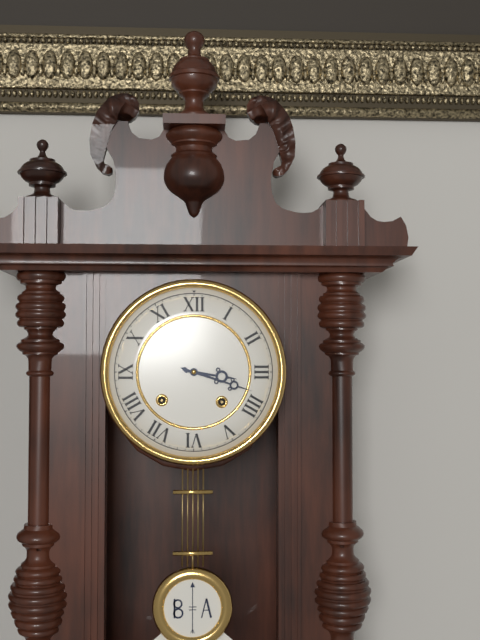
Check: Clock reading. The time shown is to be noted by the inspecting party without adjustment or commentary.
3:18
